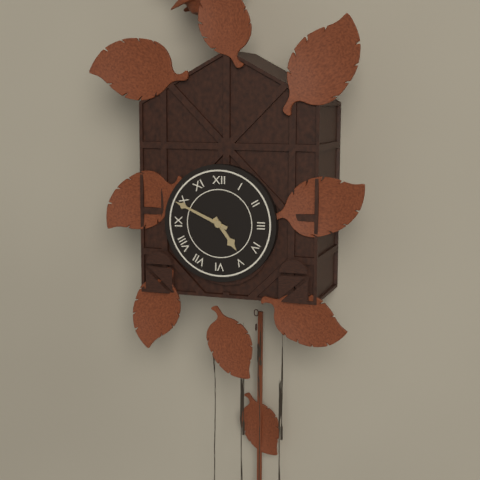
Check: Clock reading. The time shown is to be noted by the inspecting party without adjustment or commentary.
4:49
